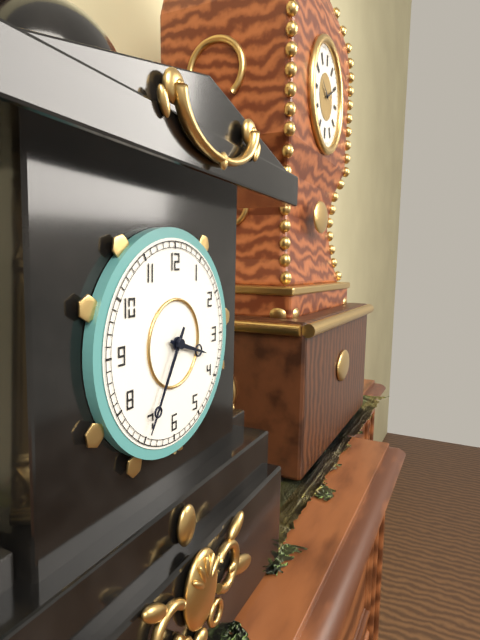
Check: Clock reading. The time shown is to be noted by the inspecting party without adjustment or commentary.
3:35
